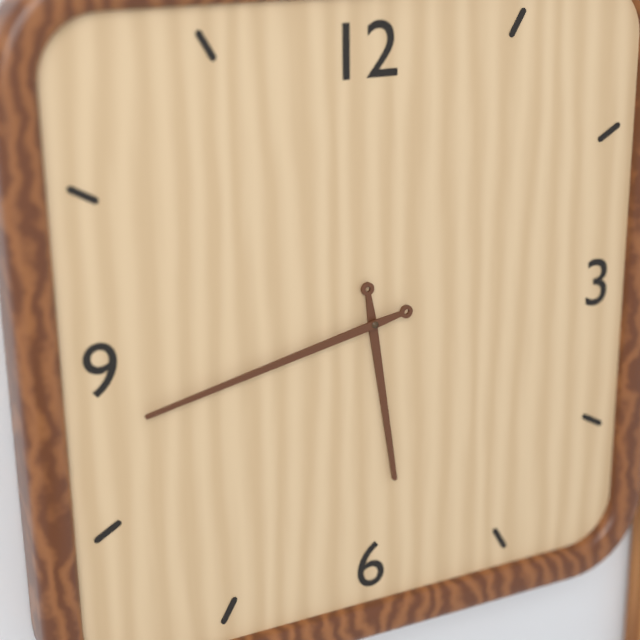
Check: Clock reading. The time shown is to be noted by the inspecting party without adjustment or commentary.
5:43
